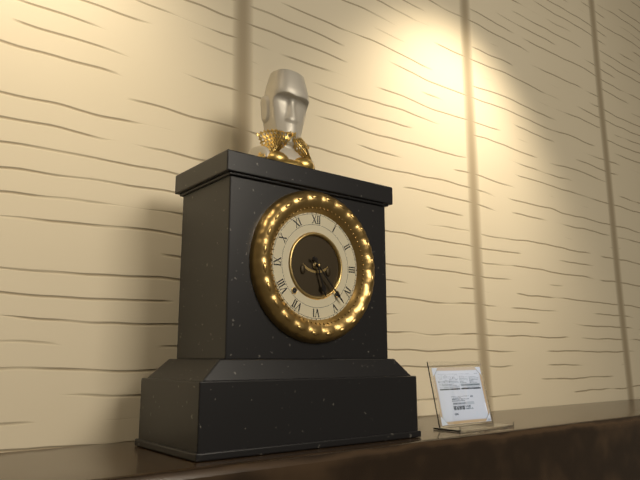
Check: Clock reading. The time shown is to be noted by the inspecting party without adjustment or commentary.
5:23
